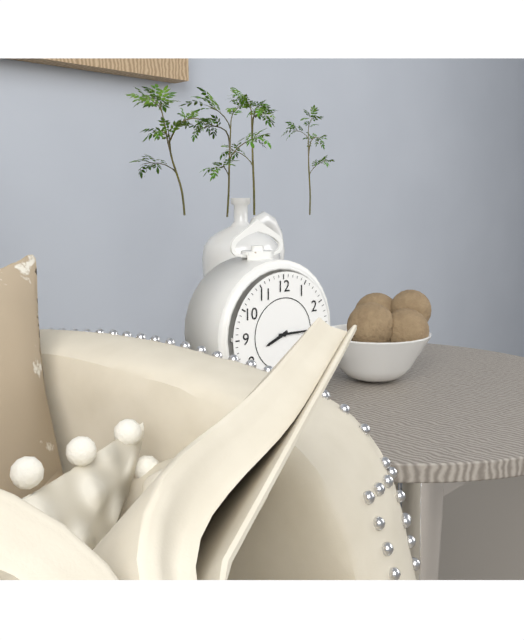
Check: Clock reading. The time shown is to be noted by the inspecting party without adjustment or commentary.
8:15
